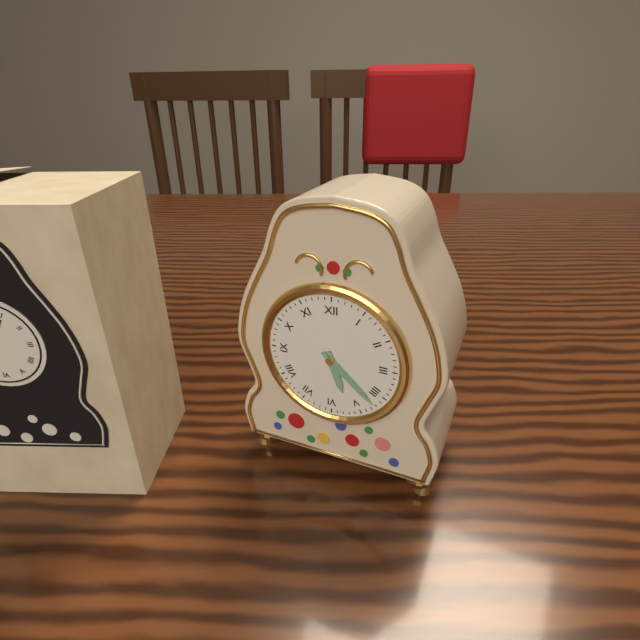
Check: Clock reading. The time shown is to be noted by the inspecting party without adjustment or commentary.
5:22
